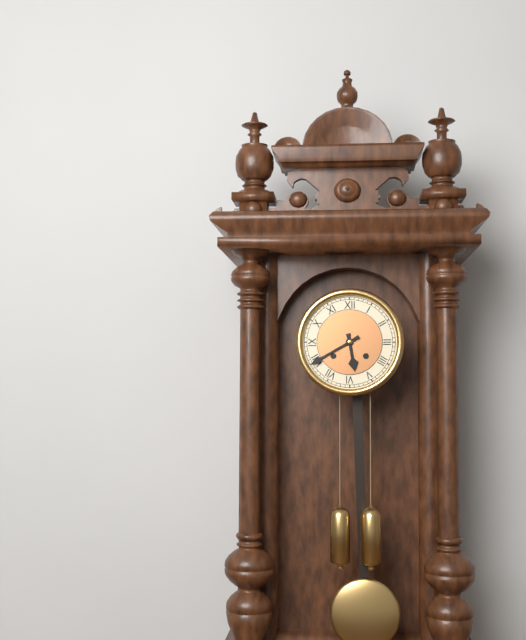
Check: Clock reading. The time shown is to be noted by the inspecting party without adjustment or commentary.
5:40
